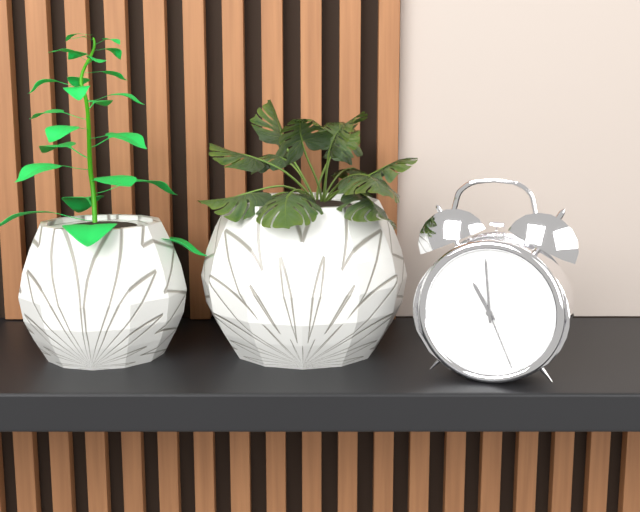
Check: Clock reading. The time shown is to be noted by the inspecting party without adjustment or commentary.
10:59:26
